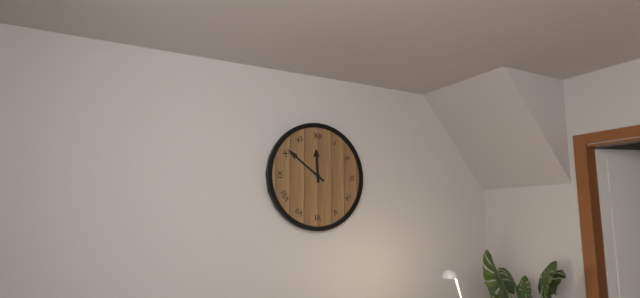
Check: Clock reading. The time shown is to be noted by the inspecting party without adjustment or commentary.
11:51
